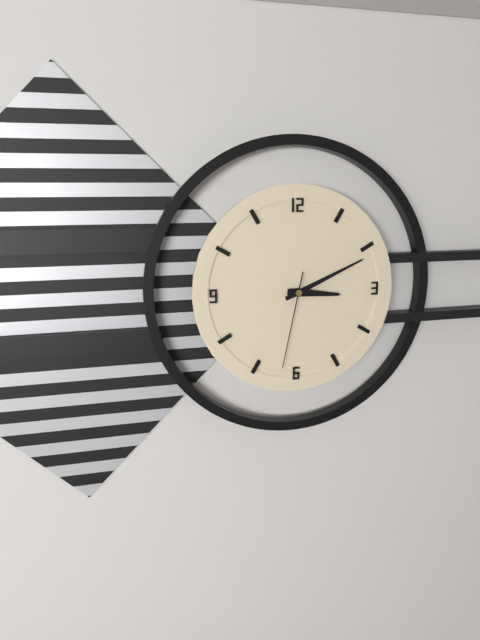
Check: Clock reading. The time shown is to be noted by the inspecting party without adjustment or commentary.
3:11:32
